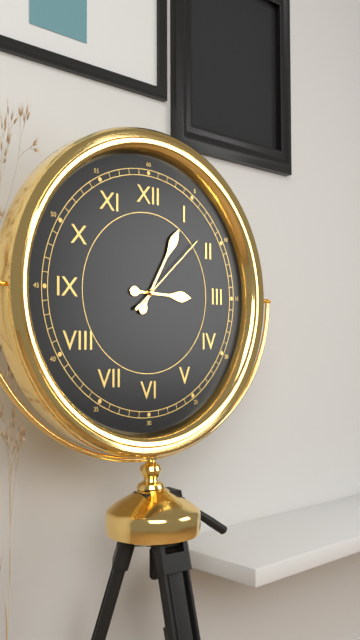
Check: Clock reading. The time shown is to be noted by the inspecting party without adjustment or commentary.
3:05:08
